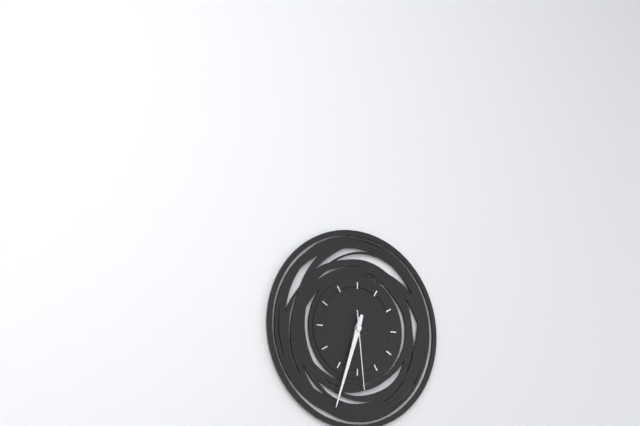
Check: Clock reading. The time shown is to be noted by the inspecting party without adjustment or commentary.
6:33:29
